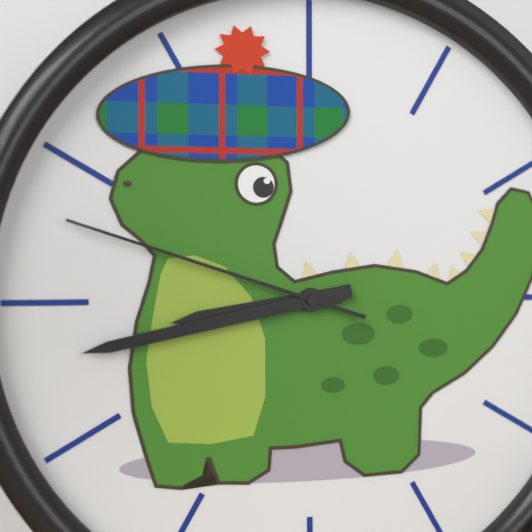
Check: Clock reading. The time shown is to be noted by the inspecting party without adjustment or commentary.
8:43:48
